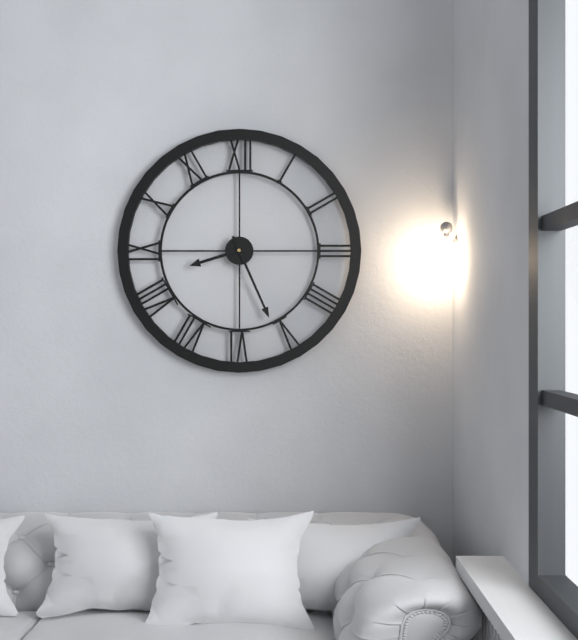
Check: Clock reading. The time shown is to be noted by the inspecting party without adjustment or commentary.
8:26
